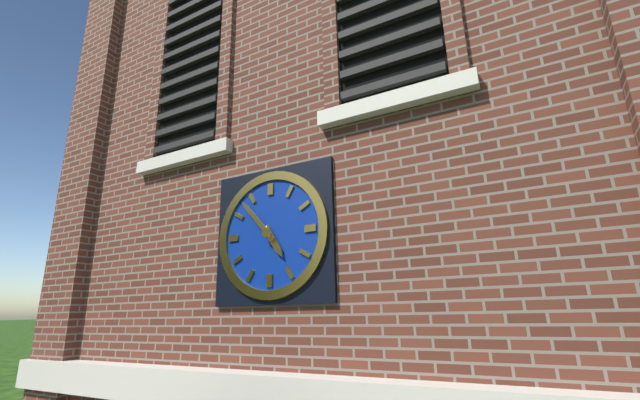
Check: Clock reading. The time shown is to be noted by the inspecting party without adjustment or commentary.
4:53
